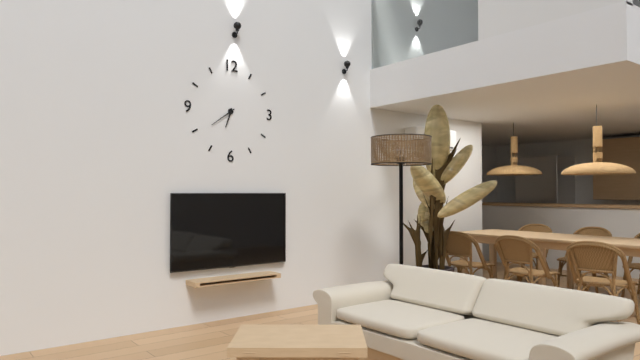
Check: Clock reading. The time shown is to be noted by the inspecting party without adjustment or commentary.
6:39
